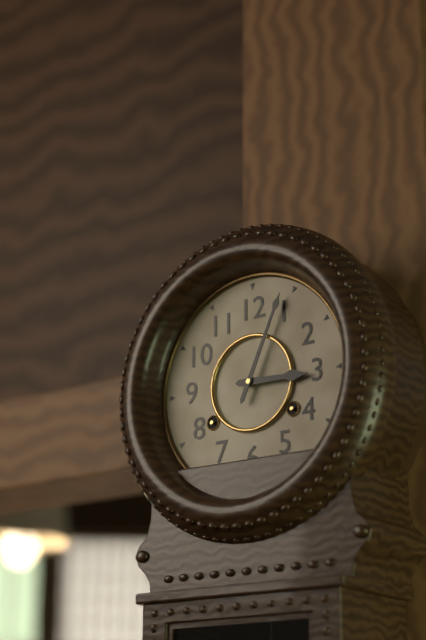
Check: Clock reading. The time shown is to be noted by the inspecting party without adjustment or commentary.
3:04
